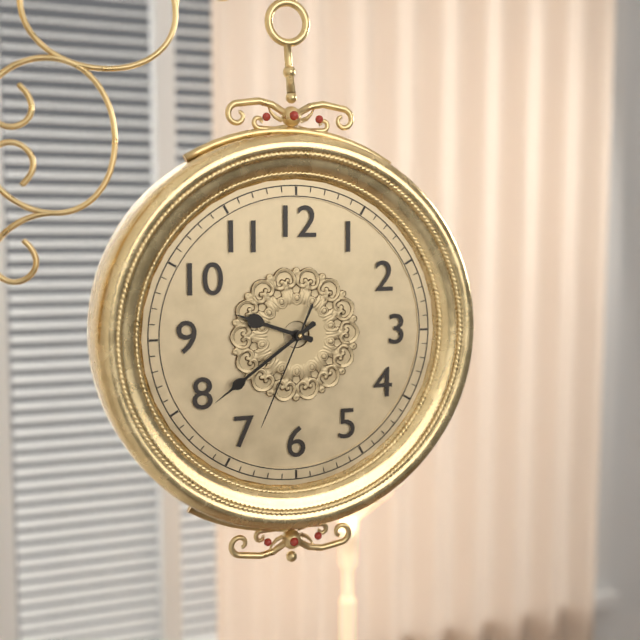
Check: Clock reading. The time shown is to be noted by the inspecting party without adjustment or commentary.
9:39:34
